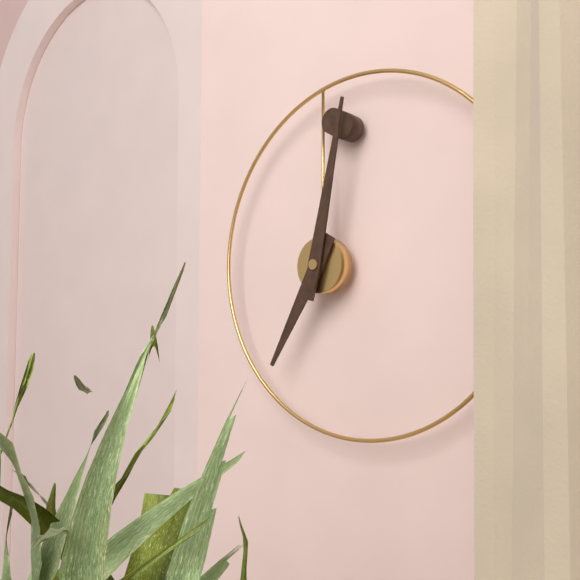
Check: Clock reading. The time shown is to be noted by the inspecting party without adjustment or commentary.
7:02
